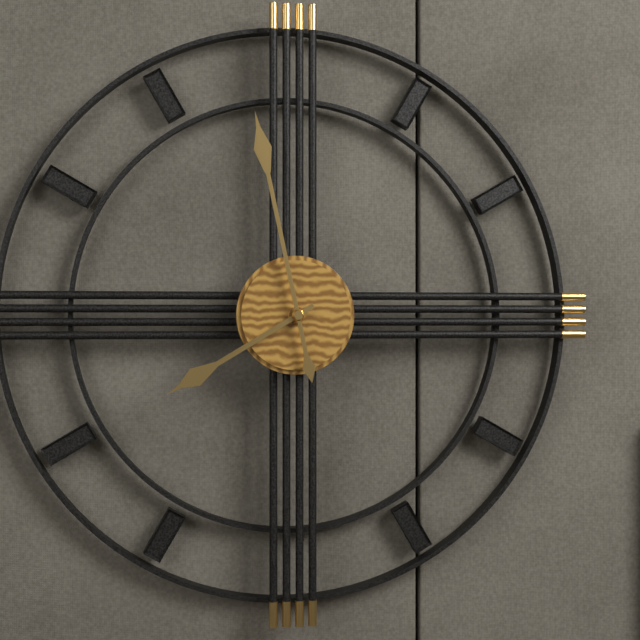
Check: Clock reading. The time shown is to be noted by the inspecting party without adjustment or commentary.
7:58
